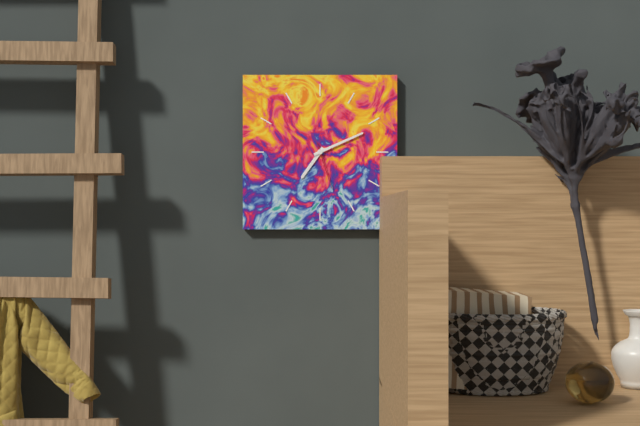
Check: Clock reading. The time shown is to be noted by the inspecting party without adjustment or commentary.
7:11
